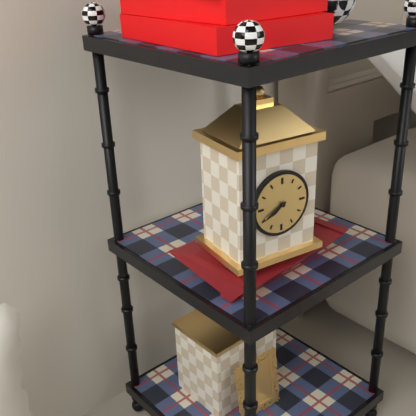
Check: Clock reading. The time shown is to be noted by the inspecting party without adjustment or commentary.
7:40
